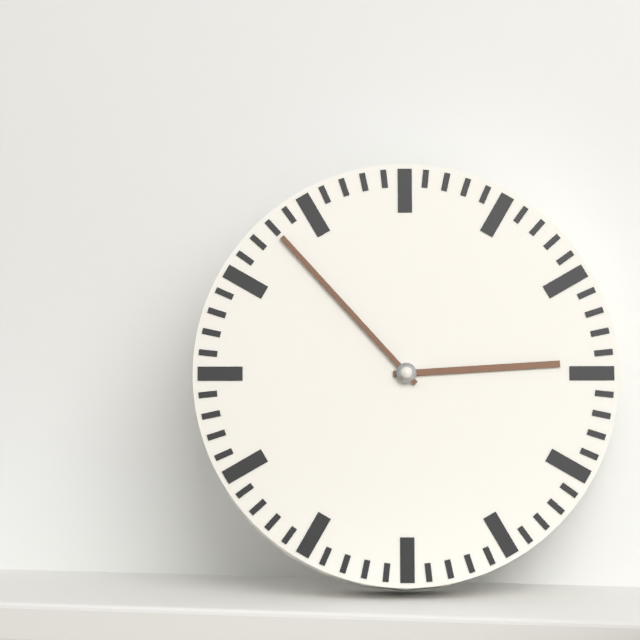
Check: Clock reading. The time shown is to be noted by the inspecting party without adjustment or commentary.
2:53
